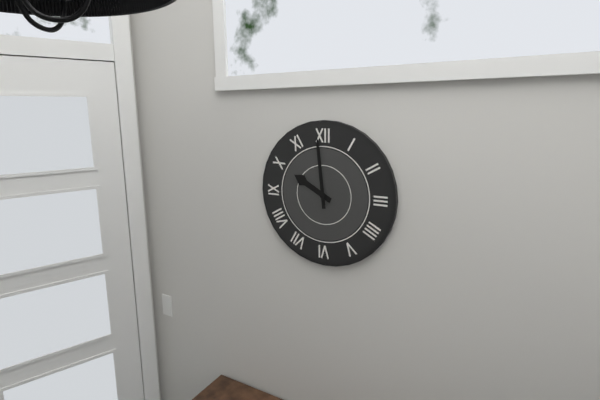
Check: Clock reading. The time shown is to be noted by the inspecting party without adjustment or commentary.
9:59
